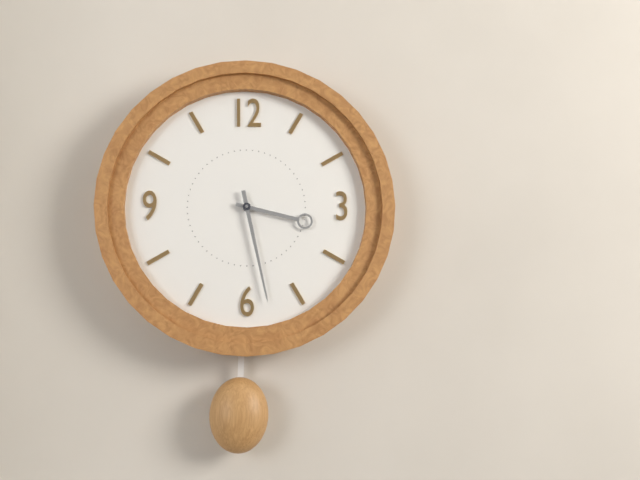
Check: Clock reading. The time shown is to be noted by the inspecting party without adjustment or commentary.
3:28
